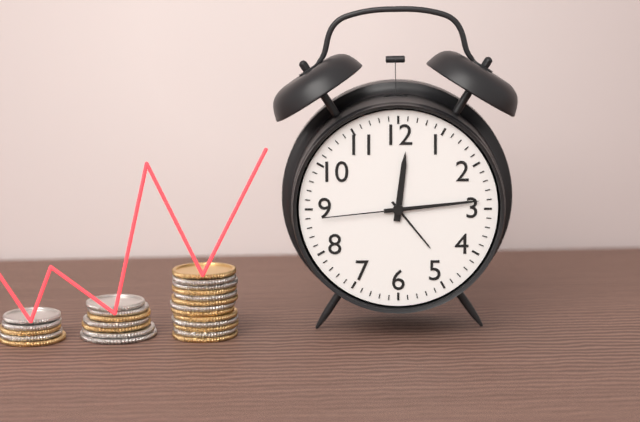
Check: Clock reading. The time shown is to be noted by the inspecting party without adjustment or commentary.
12:14:44
